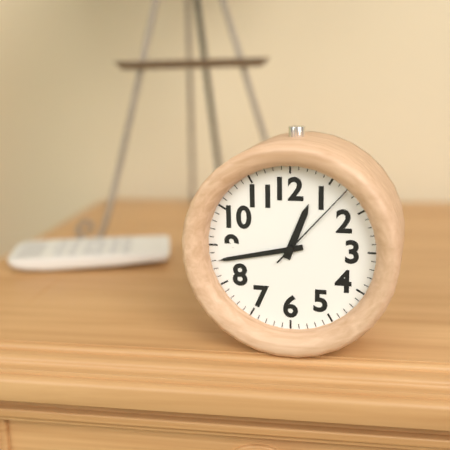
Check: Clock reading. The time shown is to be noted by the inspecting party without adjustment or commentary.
12:43:07
